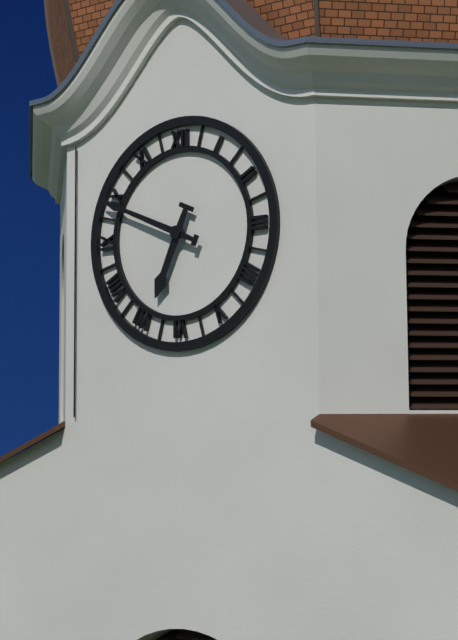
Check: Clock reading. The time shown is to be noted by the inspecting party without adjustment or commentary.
6:49
